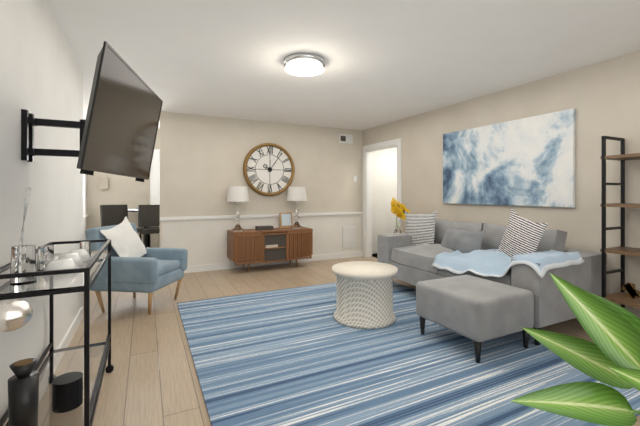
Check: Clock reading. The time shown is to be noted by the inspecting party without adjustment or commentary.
10:06
